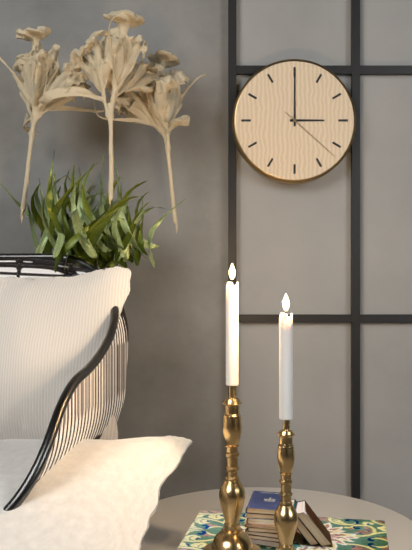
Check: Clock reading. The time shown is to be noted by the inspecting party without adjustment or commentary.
3:00:22
